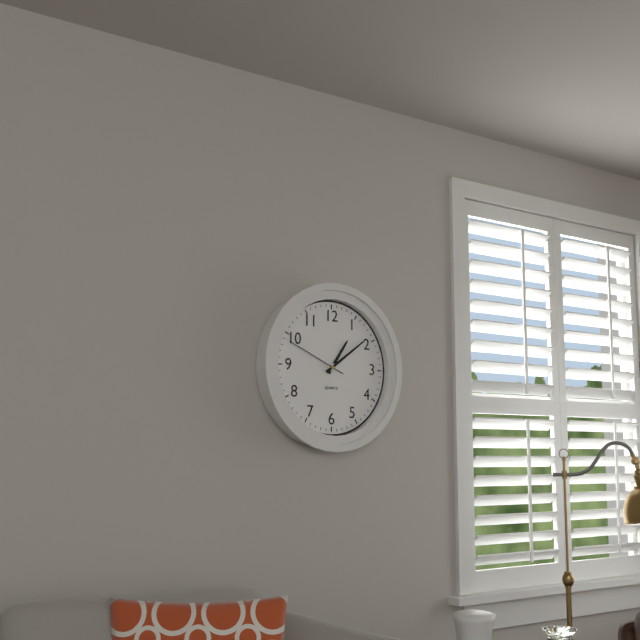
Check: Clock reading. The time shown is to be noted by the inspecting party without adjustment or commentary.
1:09:49
